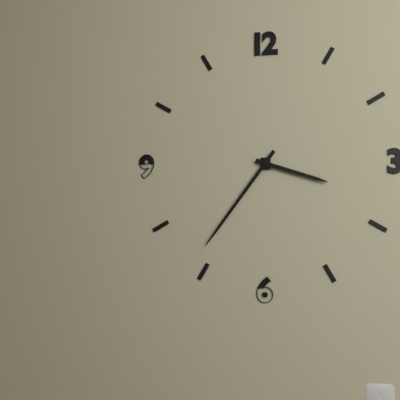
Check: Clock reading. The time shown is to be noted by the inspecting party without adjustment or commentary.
3:36
